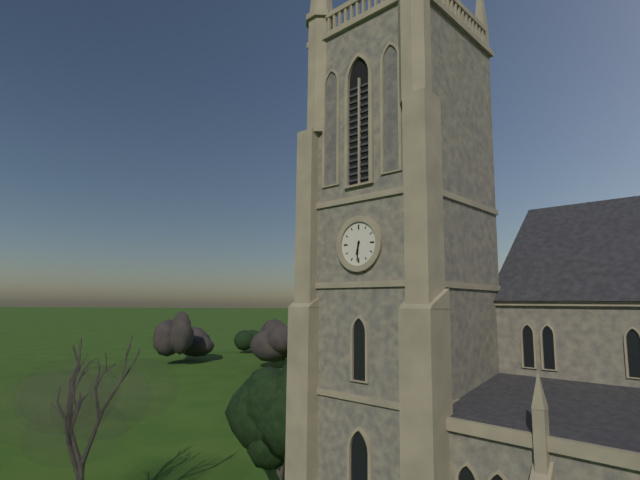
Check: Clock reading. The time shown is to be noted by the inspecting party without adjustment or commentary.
6:31
